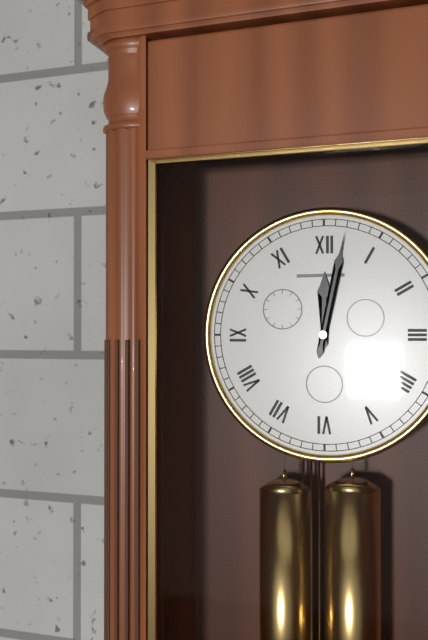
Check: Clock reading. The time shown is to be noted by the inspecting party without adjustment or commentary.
12:02
